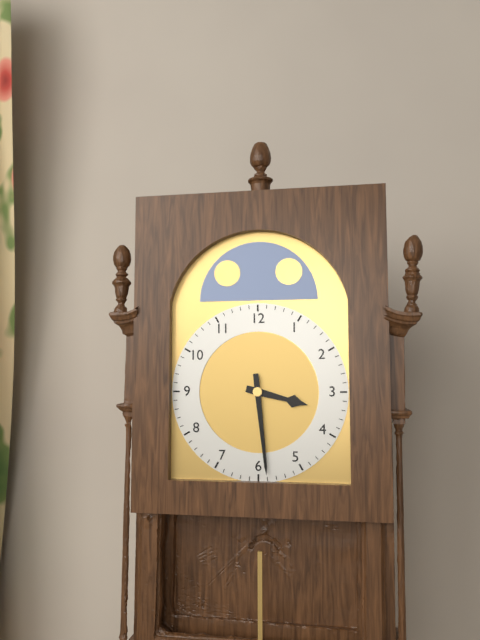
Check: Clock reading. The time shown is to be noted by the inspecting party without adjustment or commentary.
3:29
